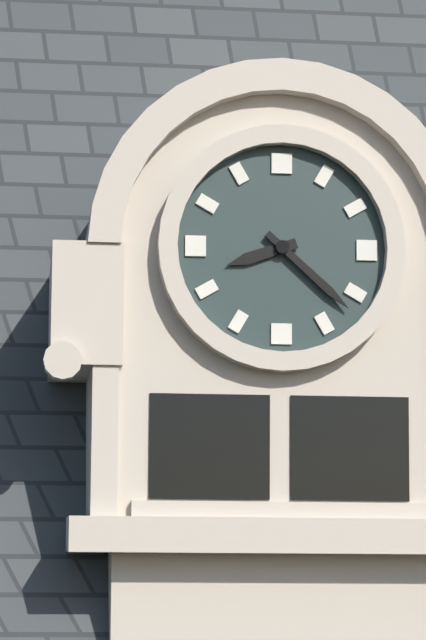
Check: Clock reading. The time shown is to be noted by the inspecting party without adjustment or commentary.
8:22
